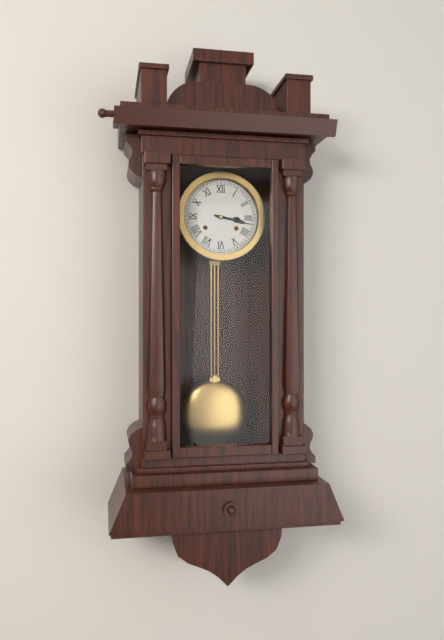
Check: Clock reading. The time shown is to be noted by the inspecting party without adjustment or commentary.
3:17
